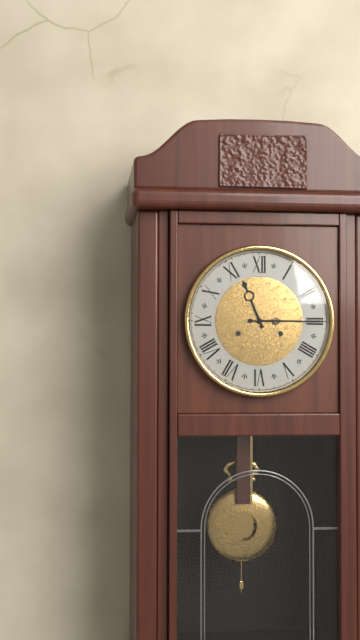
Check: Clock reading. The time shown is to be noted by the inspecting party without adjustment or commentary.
11:15
